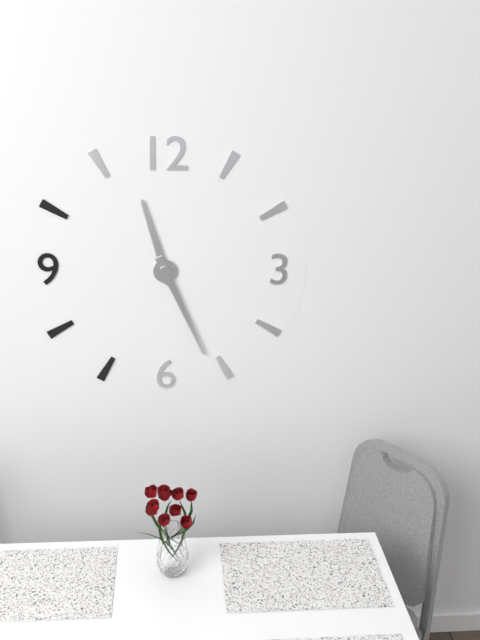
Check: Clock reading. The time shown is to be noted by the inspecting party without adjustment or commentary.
11:26
